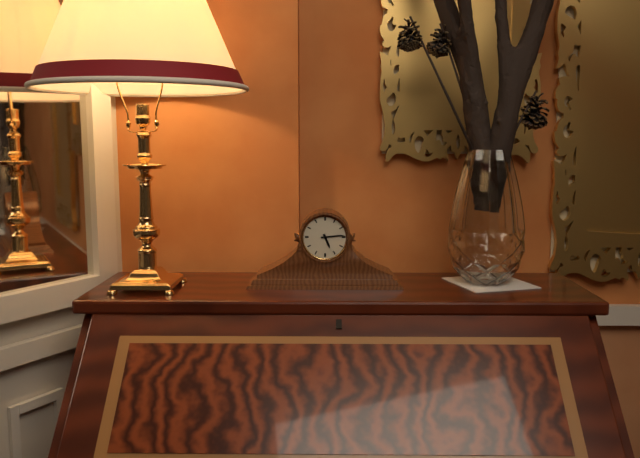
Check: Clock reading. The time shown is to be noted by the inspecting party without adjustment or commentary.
5:14
